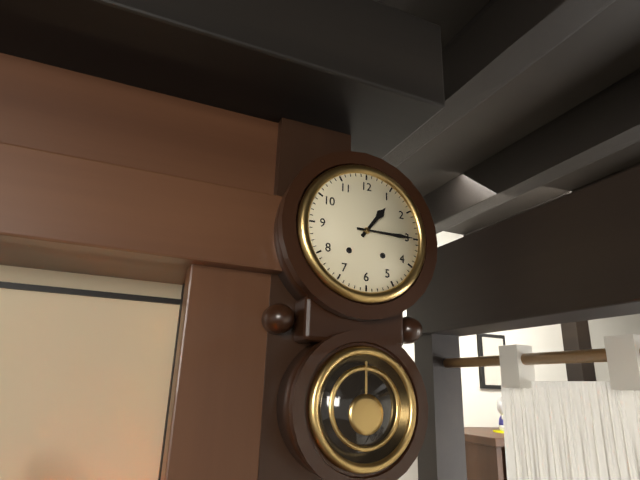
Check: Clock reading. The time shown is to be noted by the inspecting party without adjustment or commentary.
1:15
